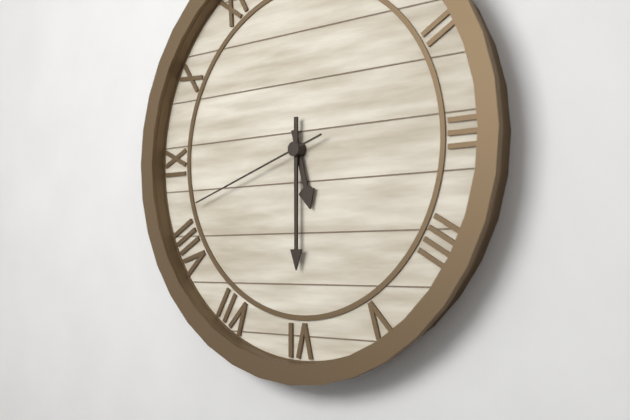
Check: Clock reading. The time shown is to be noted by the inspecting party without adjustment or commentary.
5:30:42
